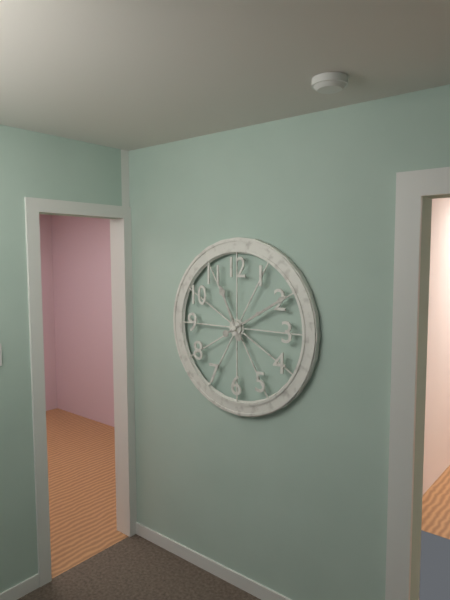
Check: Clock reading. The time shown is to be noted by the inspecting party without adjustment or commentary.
11:10
